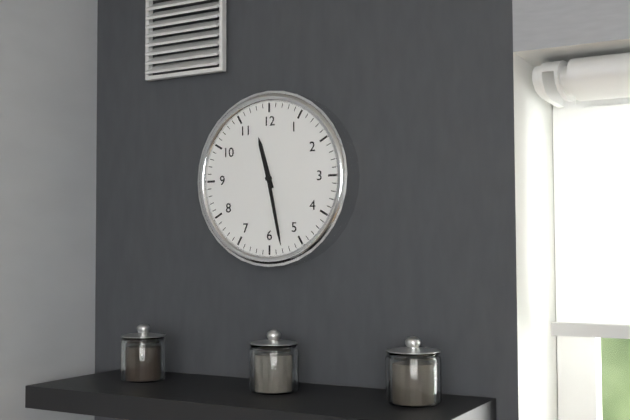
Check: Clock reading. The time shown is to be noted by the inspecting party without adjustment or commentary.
11:28
